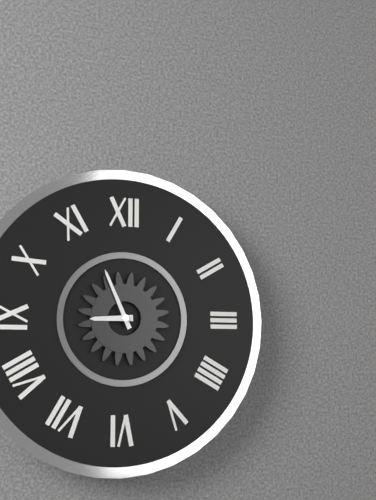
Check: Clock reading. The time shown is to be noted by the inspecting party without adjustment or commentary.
8:56
